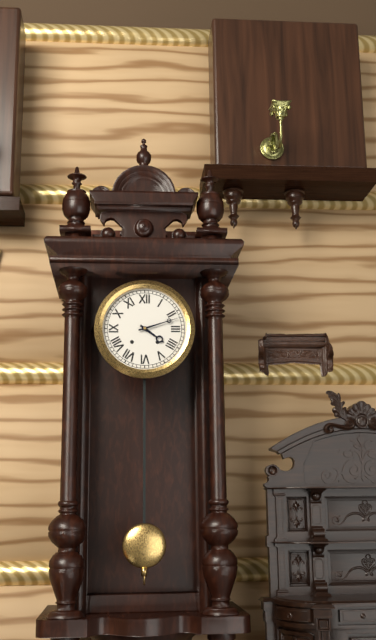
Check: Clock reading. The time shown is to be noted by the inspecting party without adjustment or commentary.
4:12
